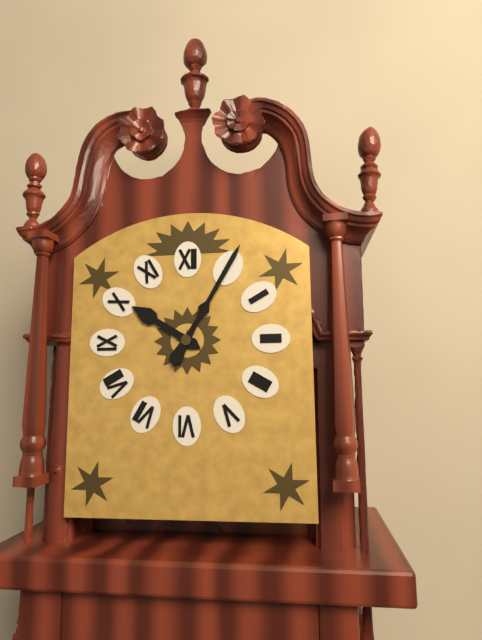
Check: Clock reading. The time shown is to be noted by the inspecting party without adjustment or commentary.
10:05
